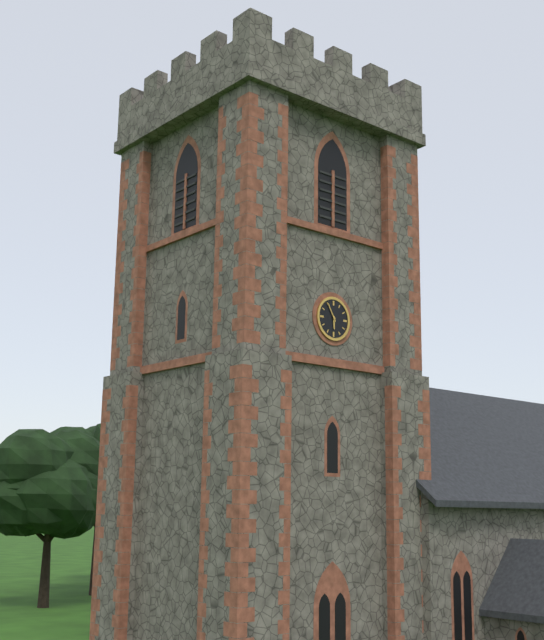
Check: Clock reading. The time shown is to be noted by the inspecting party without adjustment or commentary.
5:55
